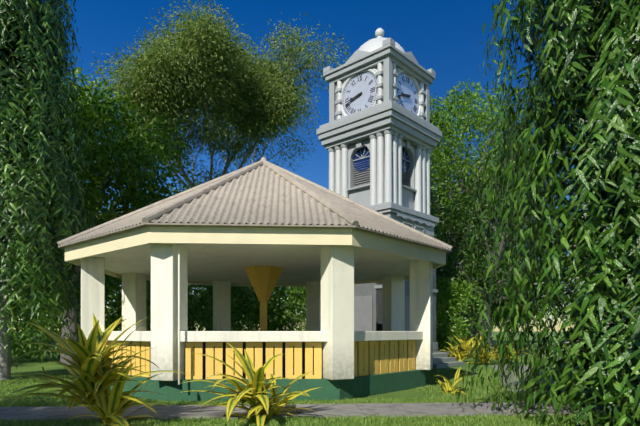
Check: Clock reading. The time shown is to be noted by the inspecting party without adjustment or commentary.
8:42
